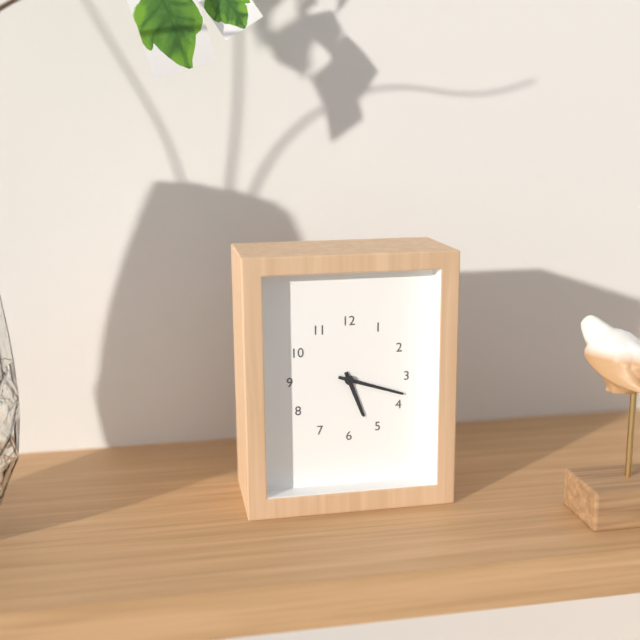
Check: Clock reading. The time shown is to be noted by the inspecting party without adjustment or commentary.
5:18
